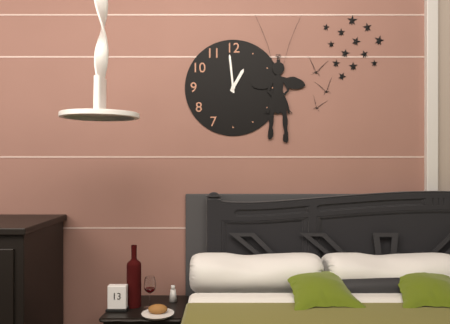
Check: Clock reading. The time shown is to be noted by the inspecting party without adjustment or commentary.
12:59
